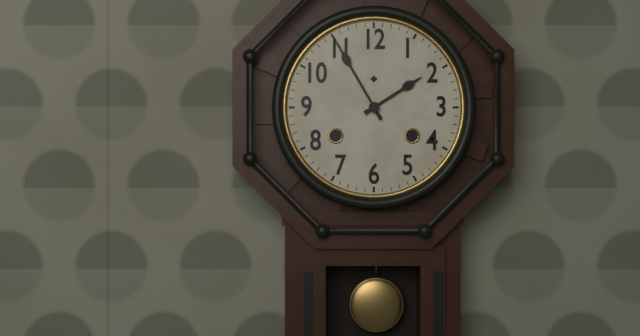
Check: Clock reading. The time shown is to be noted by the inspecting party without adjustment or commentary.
1:55
